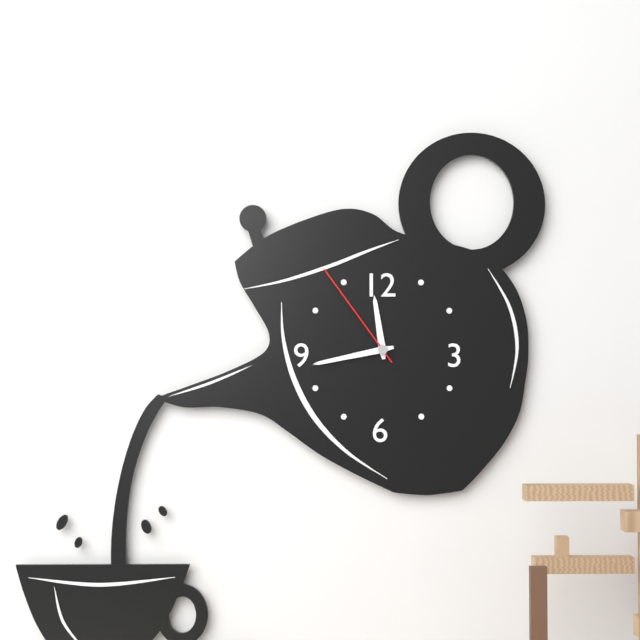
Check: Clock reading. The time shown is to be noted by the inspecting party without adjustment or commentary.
11:43:54
